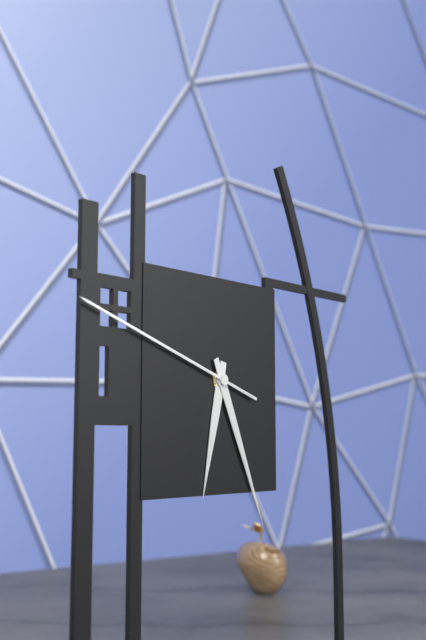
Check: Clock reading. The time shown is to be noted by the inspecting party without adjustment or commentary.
6:26:48
